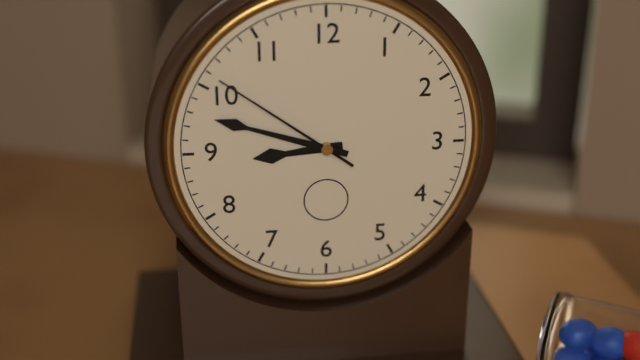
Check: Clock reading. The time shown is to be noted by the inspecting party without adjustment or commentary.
8:48:51
